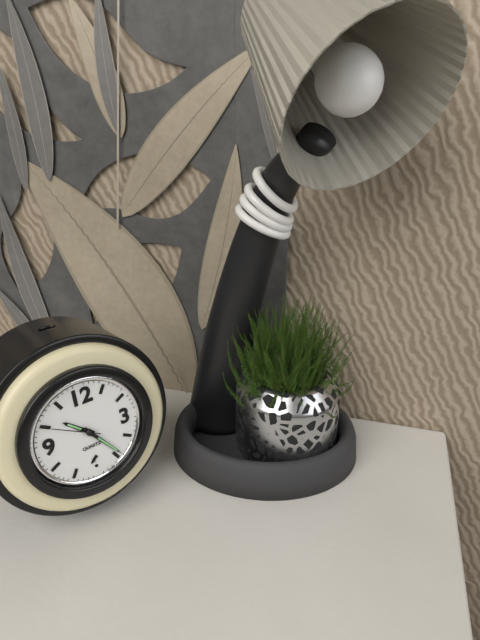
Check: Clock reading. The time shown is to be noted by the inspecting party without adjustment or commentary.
10:24:50
